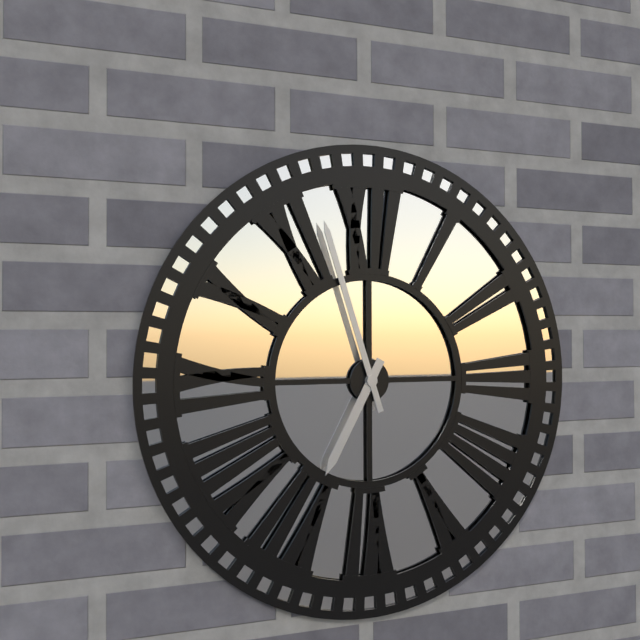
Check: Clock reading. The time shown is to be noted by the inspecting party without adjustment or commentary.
6:57
